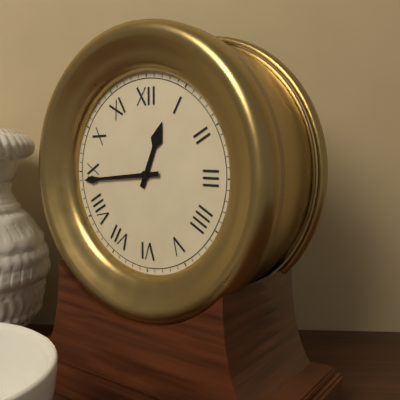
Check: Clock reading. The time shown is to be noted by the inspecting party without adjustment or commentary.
12:44
